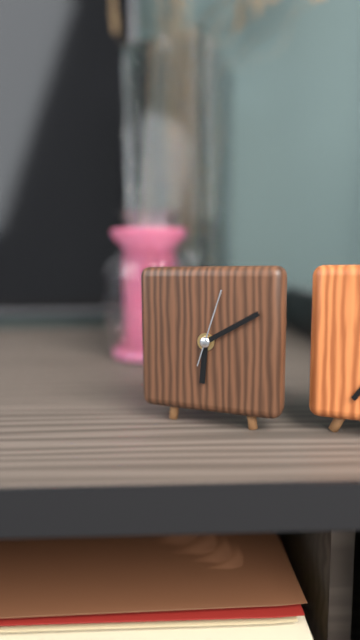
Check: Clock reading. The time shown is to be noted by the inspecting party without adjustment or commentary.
6:10:03
